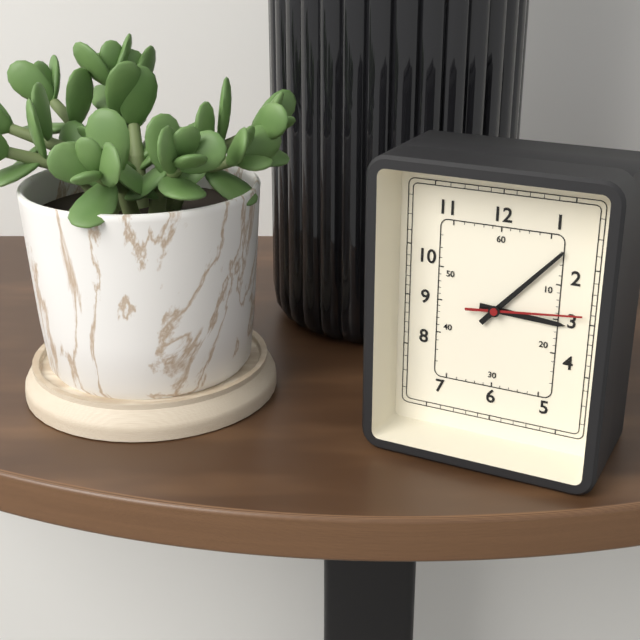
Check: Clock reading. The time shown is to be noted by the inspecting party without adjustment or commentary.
3:07:14
